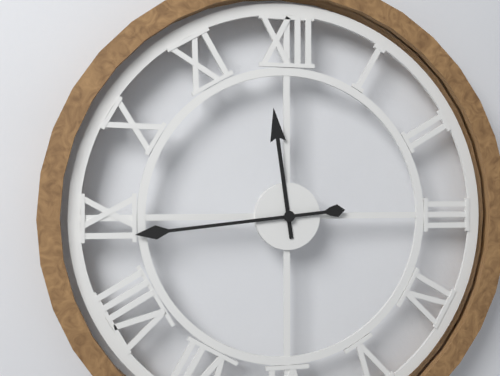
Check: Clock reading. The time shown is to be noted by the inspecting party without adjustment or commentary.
11:44
